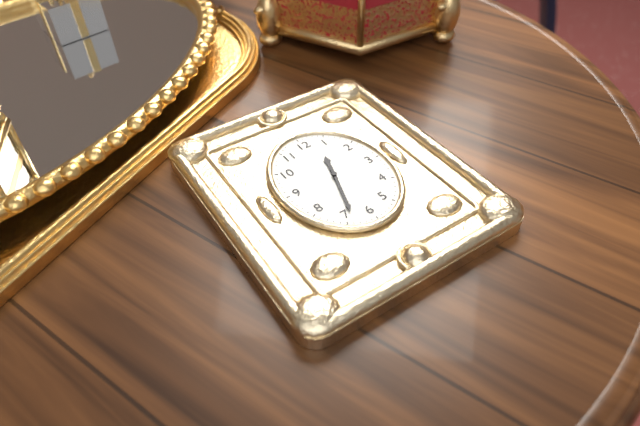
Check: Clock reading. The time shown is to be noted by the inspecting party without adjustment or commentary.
12:33
